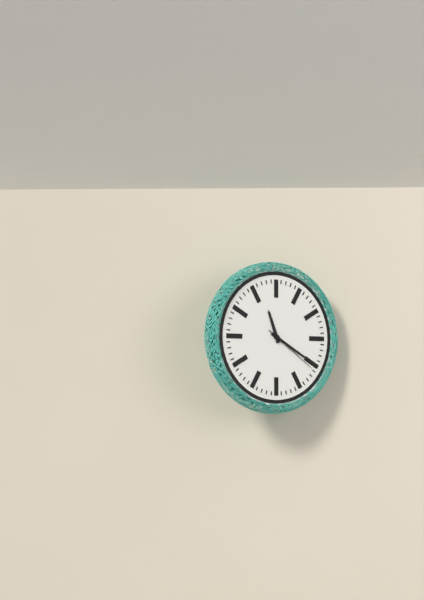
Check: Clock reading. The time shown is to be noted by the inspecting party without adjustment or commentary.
11:20:21
